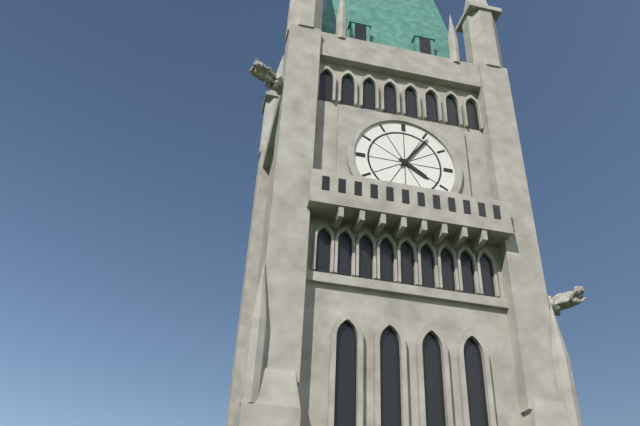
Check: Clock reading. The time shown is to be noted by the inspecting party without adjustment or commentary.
4:06
